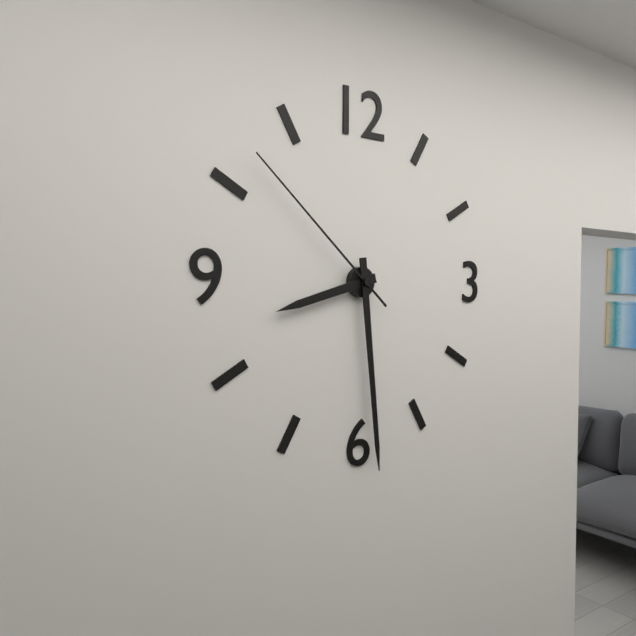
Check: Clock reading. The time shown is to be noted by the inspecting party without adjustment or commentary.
8:29:52
